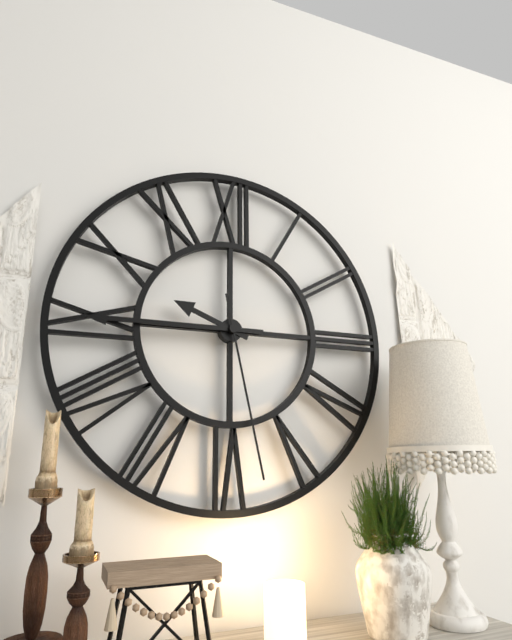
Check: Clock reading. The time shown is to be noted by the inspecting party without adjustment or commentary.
9:45:28
